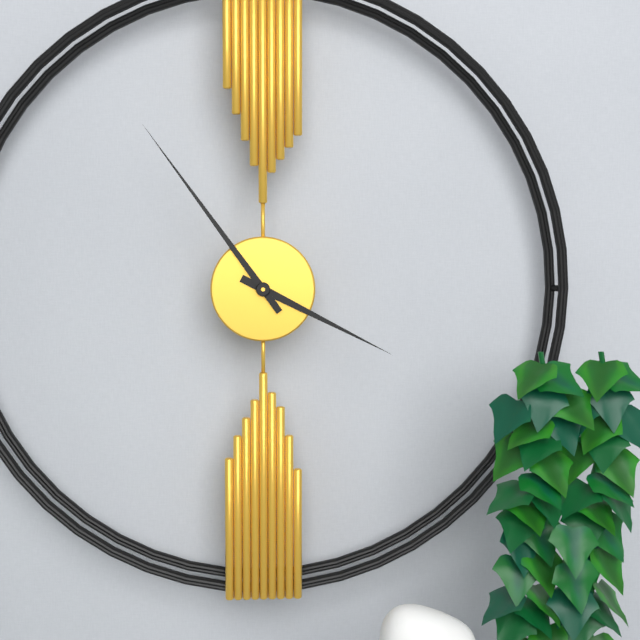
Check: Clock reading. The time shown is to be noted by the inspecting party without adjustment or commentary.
3:54
